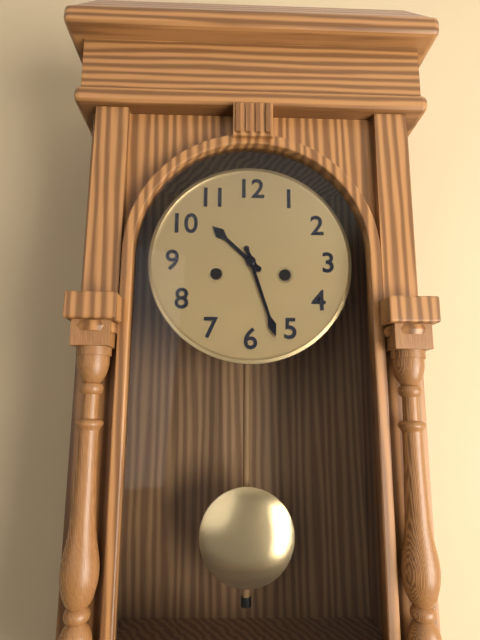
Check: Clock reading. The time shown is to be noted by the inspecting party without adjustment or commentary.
10:27
